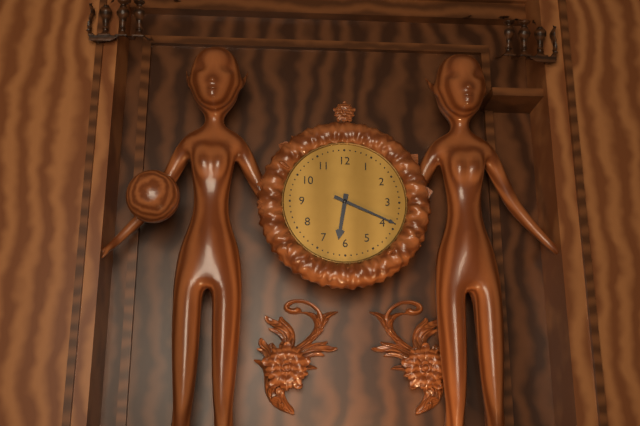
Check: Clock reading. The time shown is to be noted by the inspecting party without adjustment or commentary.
6:19
